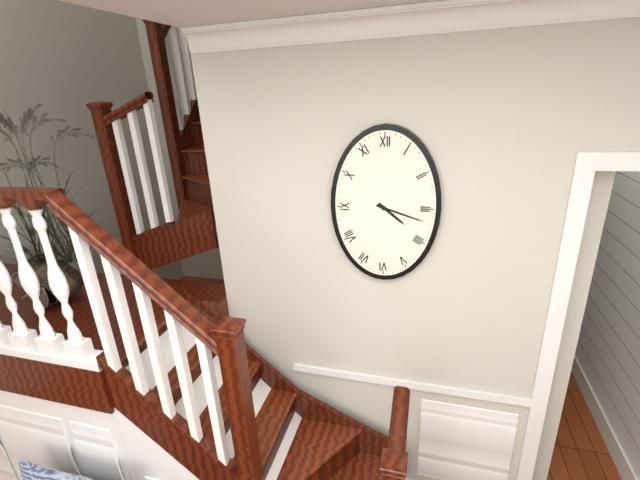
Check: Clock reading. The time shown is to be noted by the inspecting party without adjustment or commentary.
4:18
